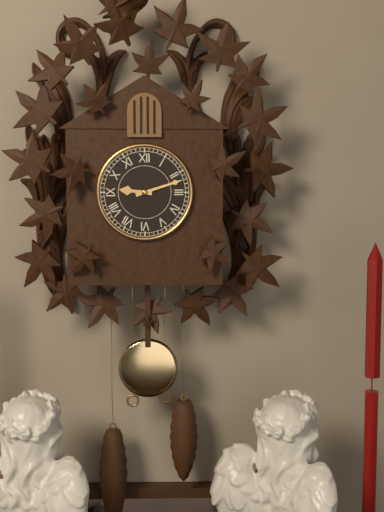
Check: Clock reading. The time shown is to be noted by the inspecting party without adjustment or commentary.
9:12
